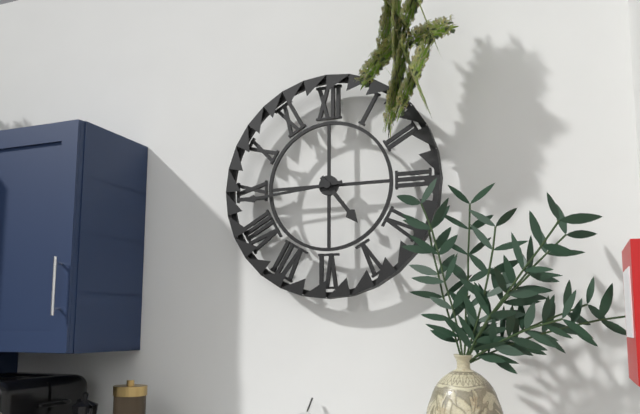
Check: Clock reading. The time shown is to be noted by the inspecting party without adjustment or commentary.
4:44
